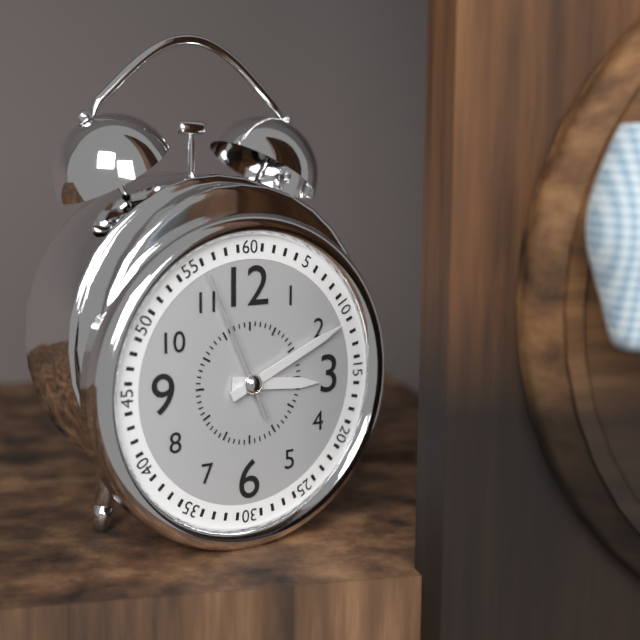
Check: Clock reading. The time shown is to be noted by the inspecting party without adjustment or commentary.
3:11:56
